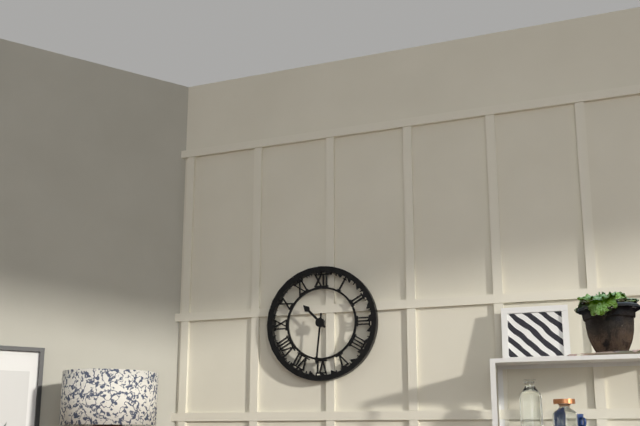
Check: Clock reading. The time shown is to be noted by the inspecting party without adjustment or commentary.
10:31
